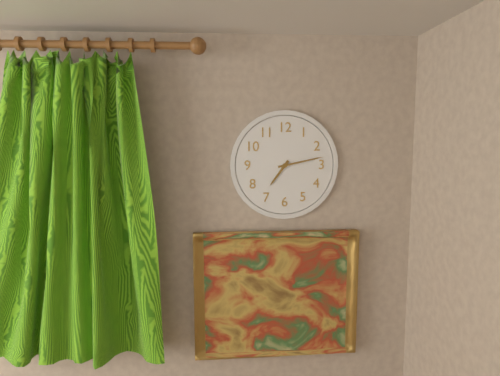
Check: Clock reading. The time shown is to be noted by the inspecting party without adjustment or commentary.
7:13
